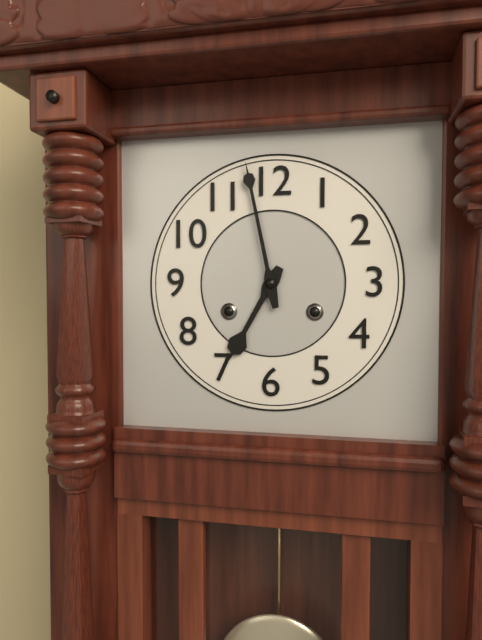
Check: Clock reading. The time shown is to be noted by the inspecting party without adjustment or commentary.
6:58
